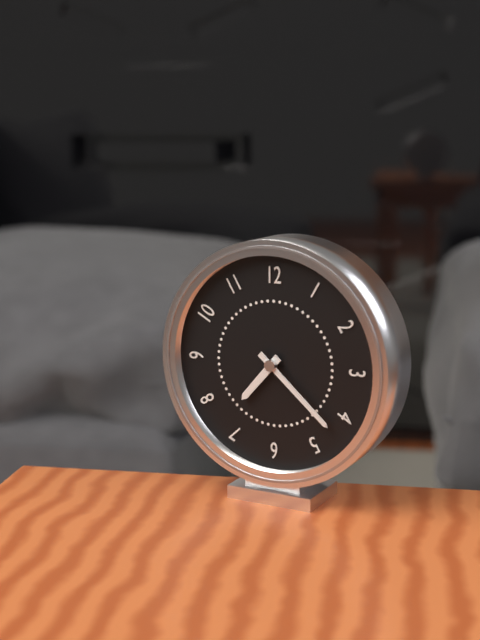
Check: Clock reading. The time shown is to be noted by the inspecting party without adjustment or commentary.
7:22
